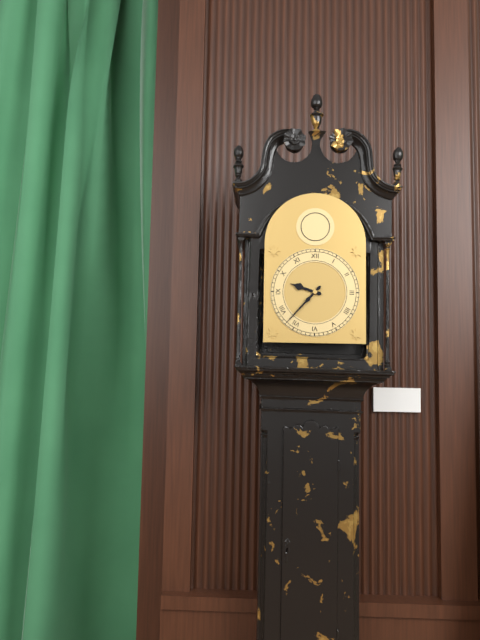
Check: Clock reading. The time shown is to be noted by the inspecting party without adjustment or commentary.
9:37
